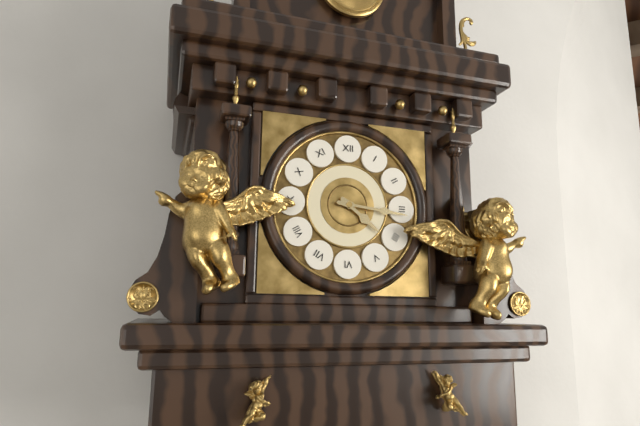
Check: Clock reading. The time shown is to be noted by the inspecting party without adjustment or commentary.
4:16
